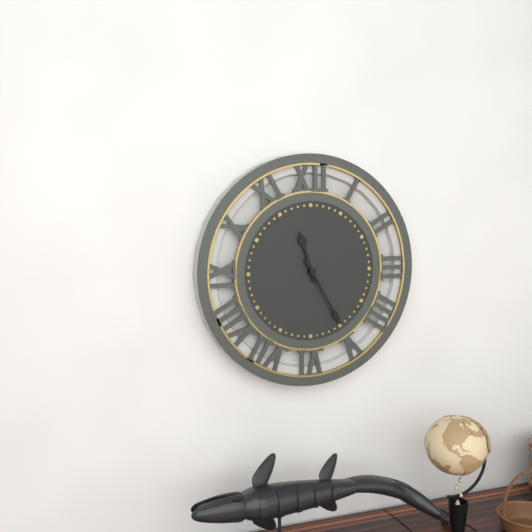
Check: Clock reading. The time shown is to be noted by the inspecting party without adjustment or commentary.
11:25
